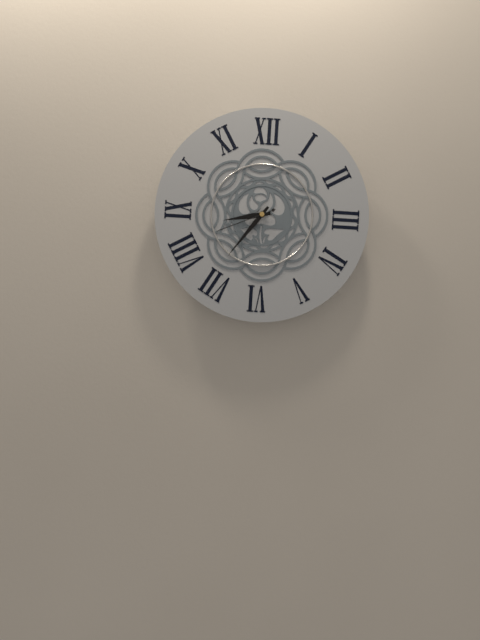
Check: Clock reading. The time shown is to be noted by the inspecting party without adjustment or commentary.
8:36:41
